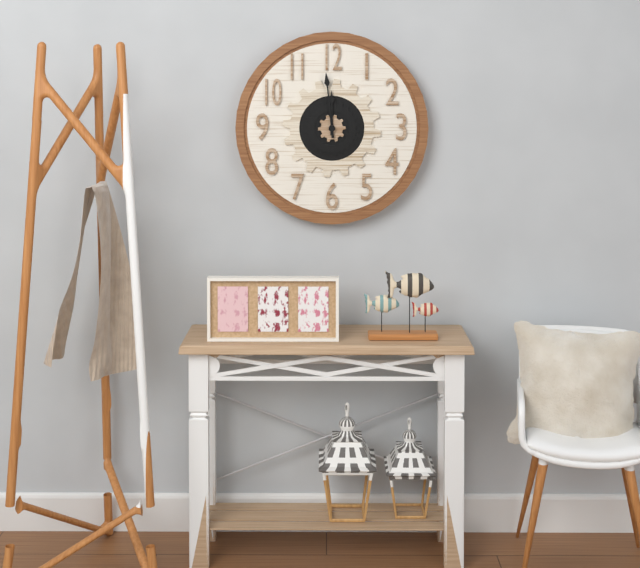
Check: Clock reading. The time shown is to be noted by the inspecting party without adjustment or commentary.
11:59
